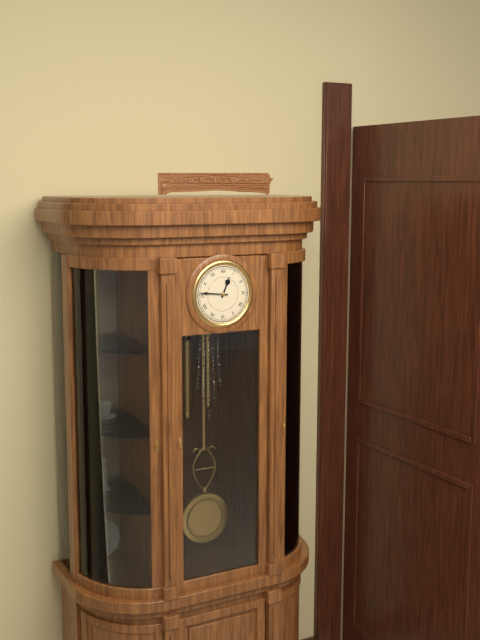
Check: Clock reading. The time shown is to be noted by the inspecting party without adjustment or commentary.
12:46
